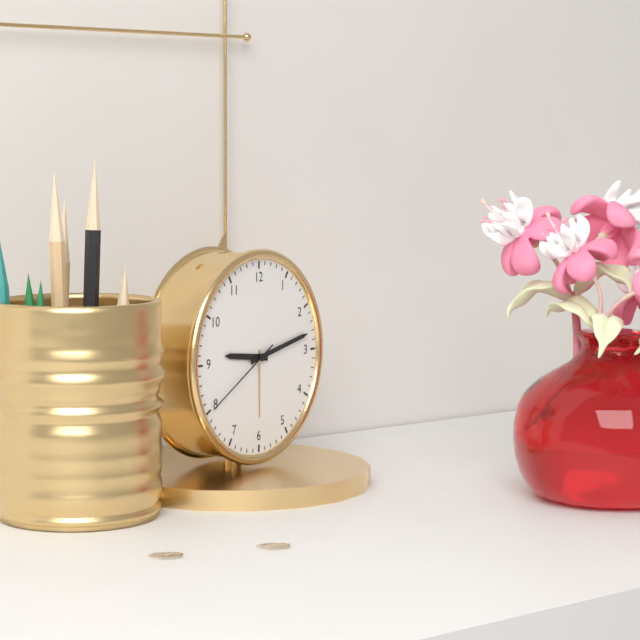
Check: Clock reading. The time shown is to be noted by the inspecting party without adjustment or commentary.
9:13:40
